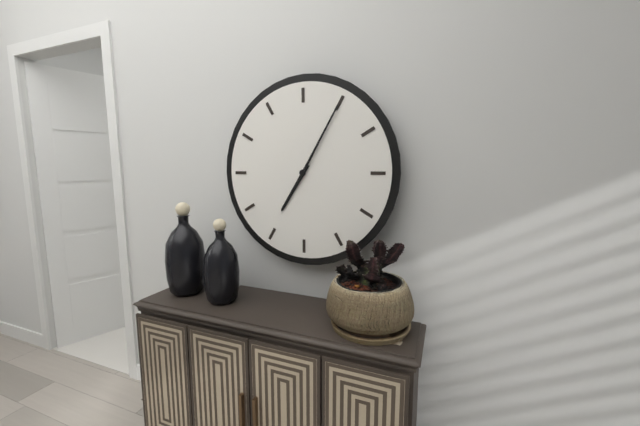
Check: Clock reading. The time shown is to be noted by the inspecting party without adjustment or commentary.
7:05
